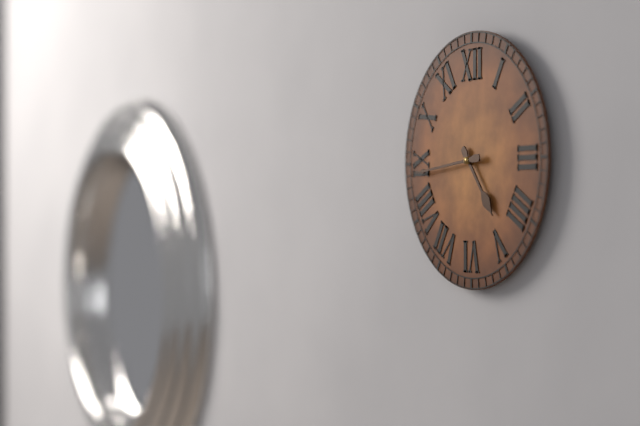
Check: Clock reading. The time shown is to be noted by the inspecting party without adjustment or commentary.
4:44
